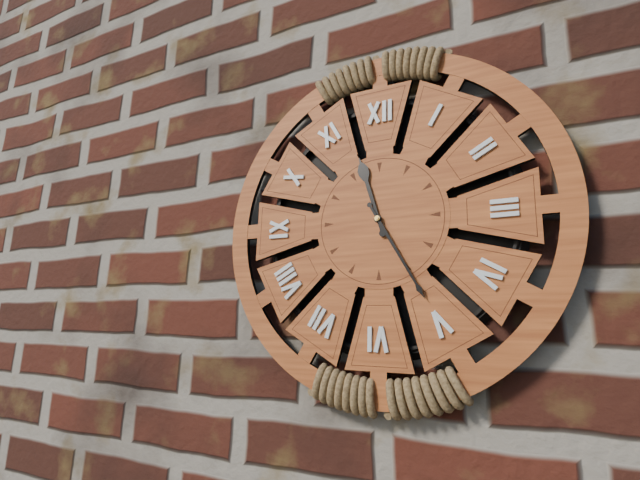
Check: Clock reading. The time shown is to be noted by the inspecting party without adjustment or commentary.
11:25
